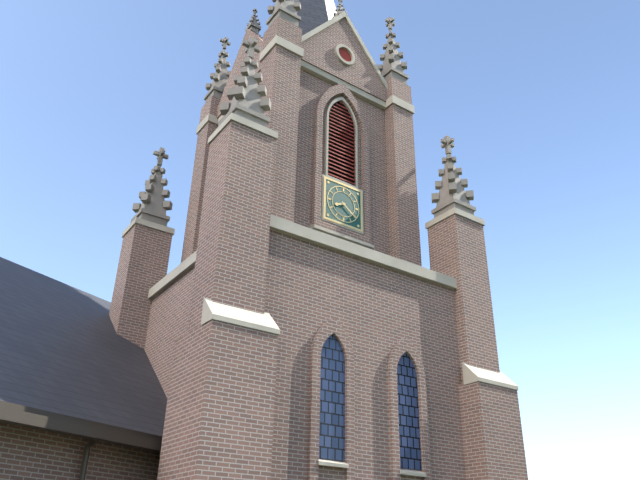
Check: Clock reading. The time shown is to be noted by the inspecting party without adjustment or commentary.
8:21
